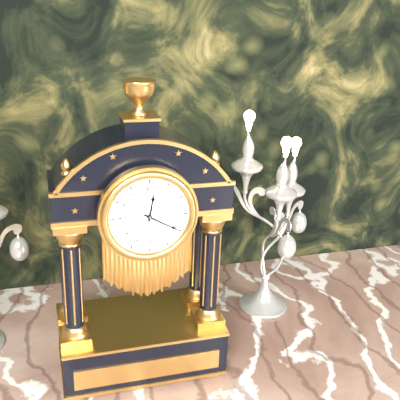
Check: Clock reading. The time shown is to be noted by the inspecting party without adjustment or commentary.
12:20
